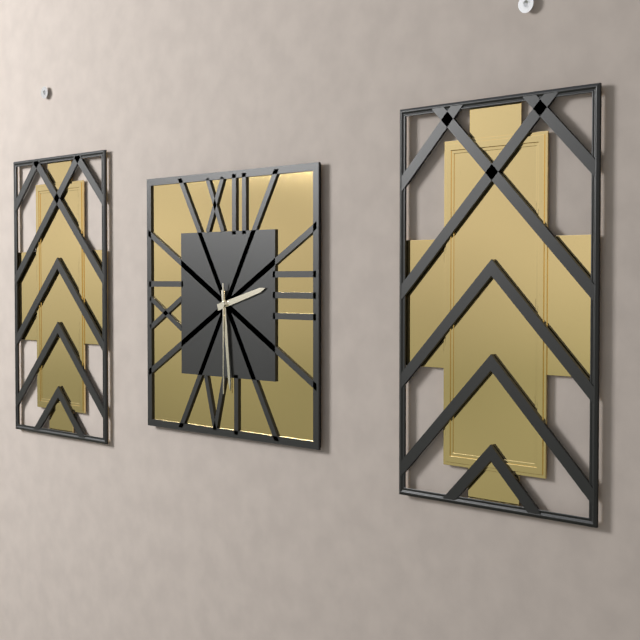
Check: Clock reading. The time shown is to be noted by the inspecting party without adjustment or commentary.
2:29:30
